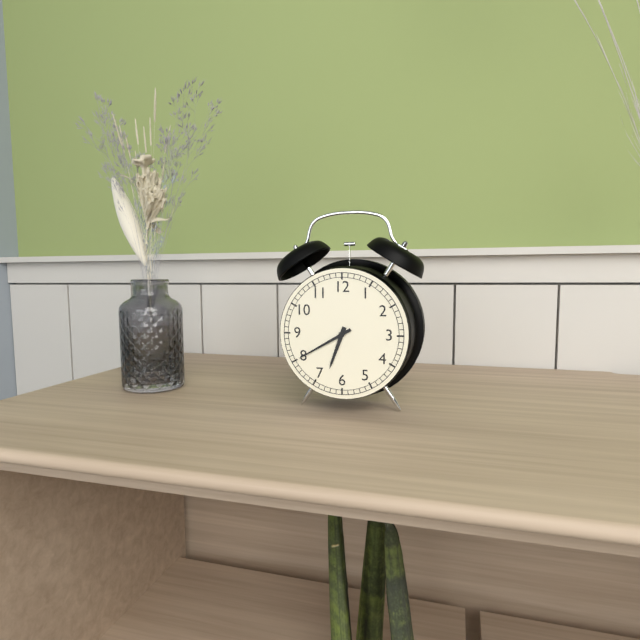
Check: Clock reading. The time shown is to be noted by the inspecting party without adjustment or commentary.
6:40
